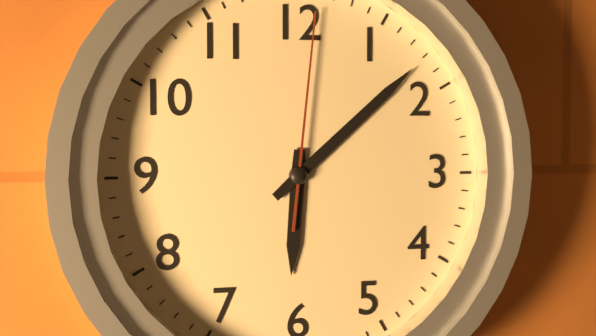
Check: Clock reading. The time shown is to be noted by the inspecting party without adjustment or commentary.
6:08:01
